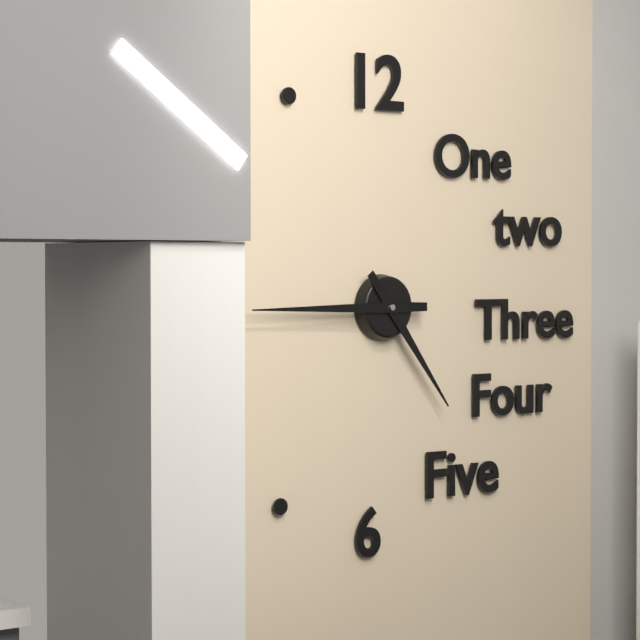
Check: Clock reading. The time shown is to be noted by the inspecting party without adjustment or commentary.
4:45
